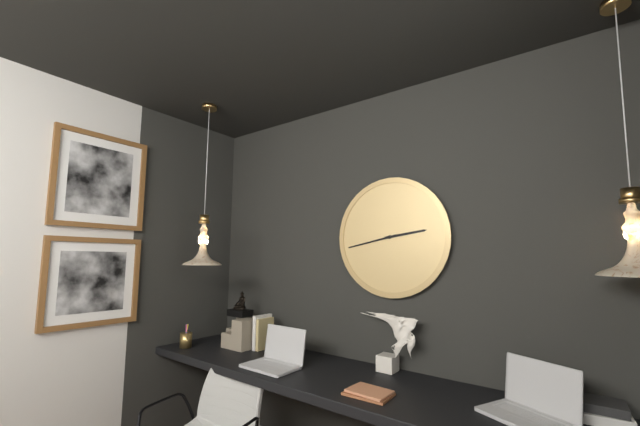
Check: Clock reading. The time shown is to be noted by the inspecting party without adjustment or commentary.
2:43
